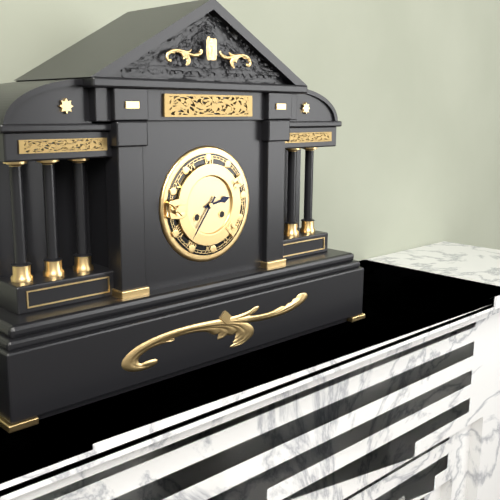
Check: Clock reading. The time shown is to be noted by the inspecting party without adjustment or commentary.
2:36
